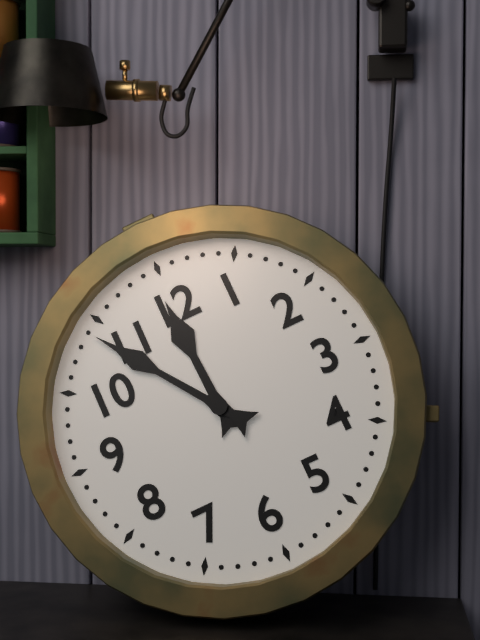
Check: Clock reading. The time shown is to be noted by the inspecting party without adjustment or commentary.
11:54
